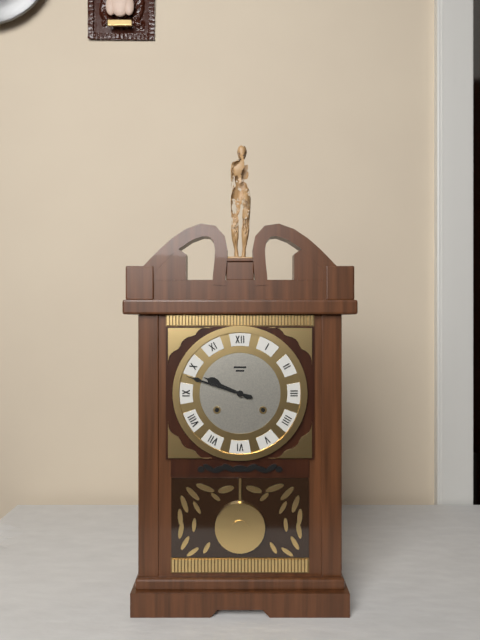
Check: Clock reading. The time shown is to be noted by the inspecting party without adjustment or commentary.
9:48
